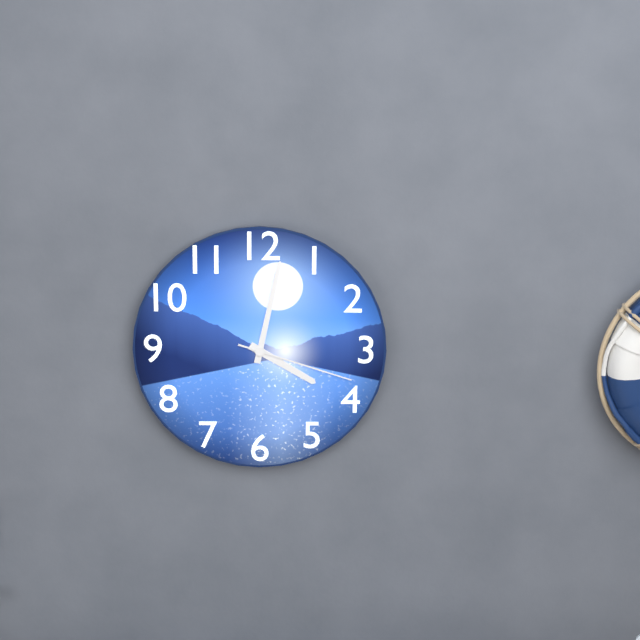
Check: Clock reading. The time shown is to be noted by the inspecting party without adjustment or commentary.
4:02:18
